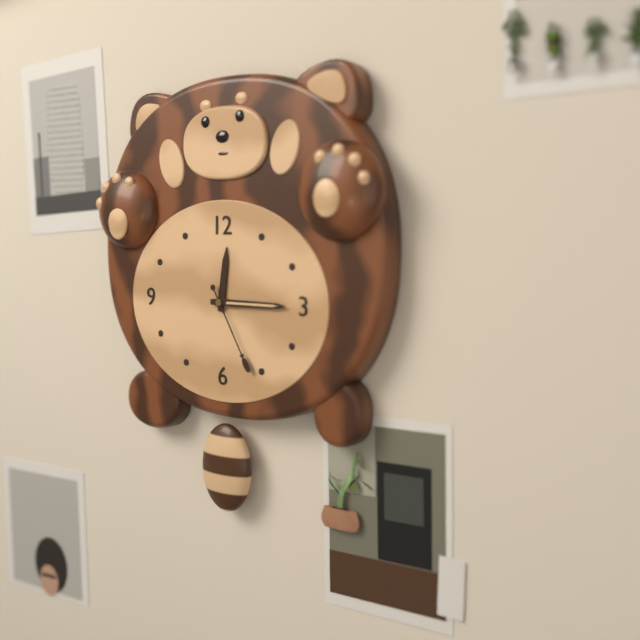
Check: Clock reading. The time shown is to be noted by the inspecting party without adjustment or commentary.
12:15:25
